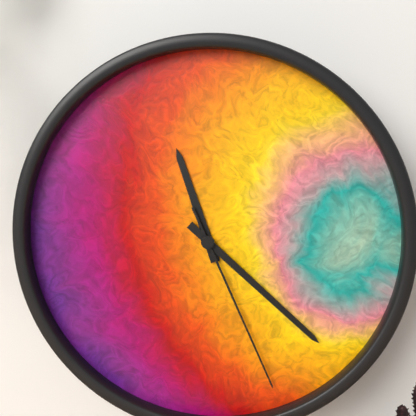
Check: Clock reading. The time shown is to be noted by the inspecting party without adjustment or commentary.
11:22:26
